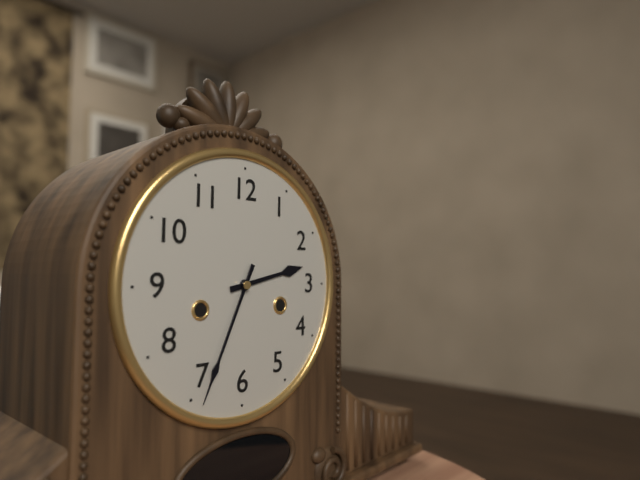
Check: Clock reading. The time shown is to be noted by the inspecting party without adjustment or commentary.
2:34
